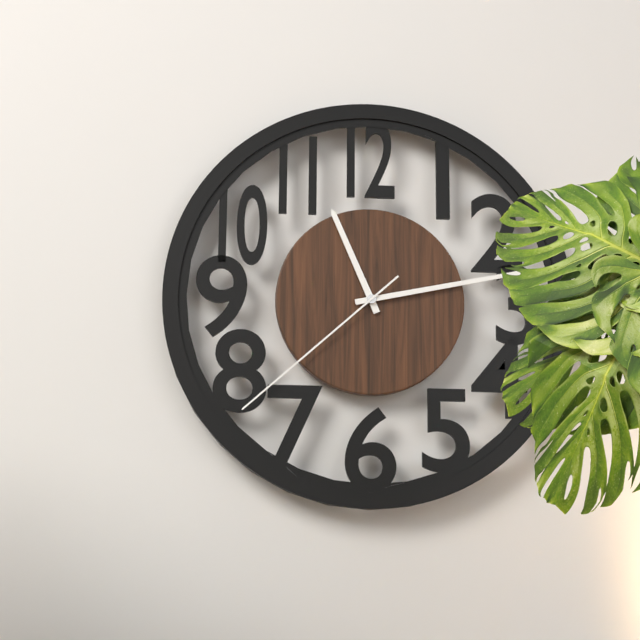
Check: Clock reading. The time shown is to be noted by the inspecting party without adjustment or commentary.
11:13:38
